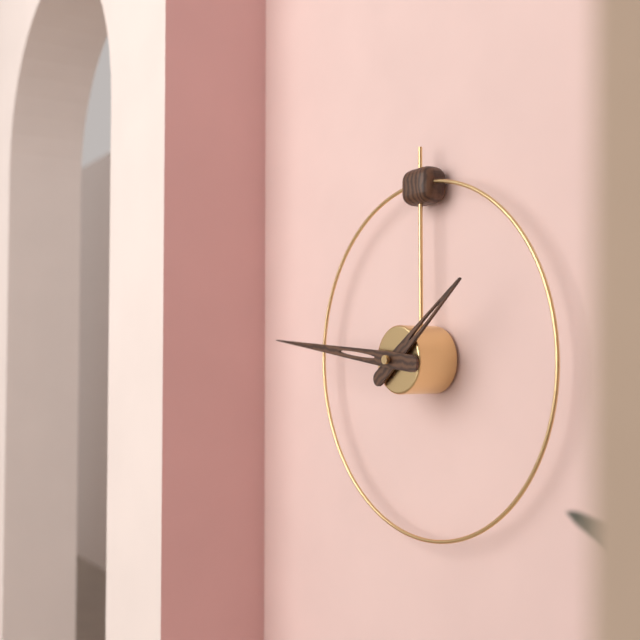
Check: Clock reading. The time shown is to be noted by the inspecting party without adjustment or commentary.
1:46
